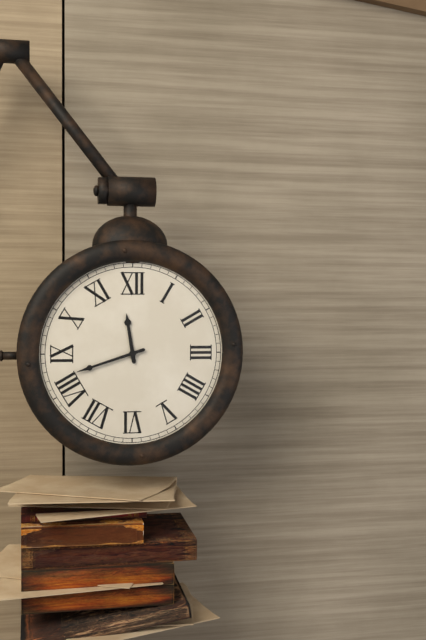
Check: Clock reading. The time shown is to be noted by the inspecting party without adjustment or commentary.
11:42
